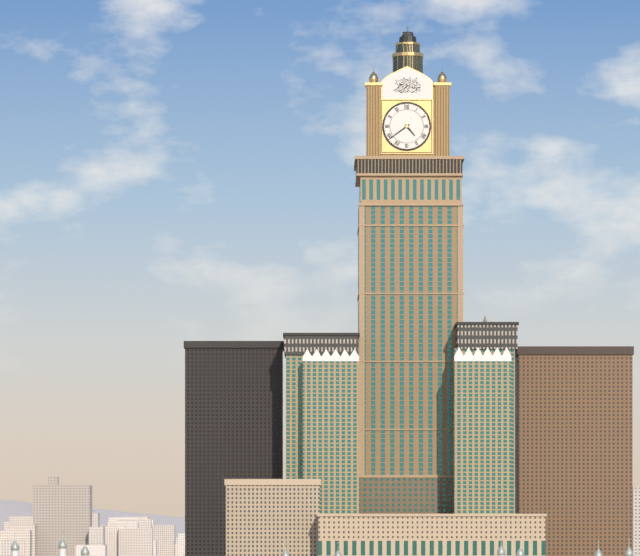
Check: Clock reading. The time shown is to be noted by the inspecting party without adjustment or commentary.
4:39
